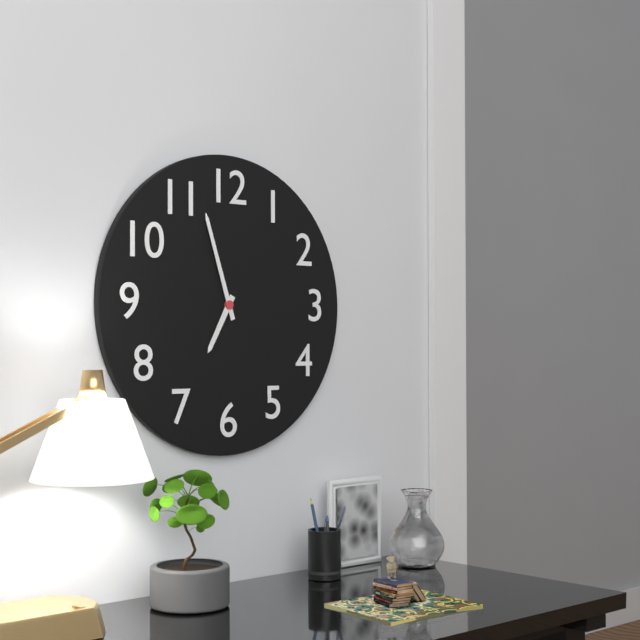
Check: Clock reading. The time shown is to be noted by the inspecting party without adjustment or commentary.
6:57
